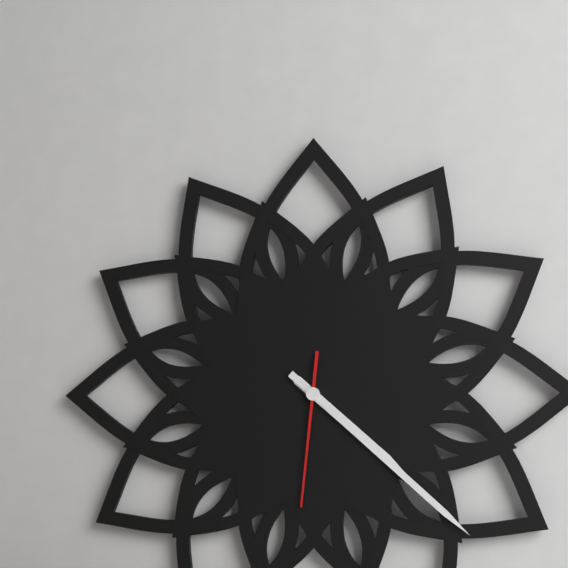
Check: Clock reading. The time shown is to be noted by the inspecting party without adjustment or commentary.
4:22:31
